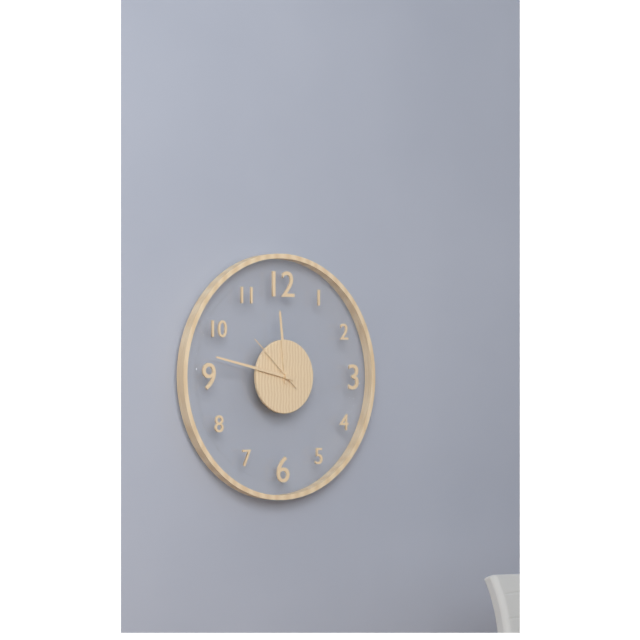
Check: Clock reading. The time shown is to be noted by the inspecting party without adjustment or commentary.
11:47:52
